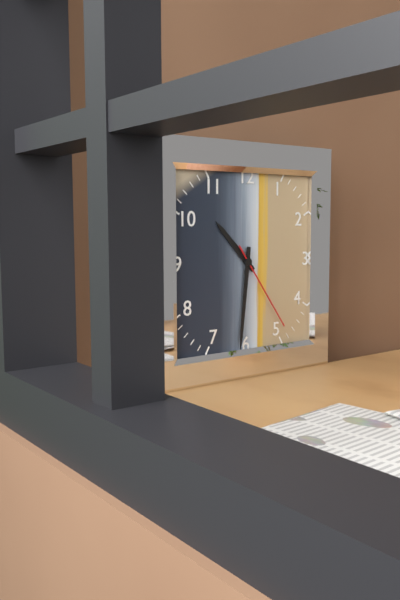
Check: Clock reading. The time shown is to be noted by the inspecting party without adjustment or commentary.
10:31:24
